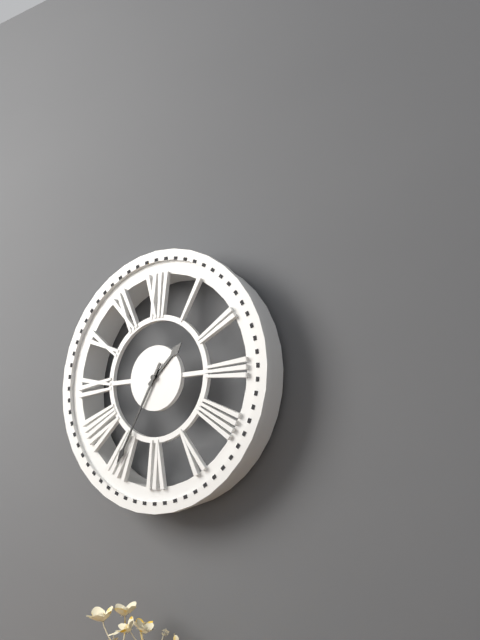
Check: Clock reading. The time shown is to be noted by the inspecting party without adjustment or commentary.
1:35
